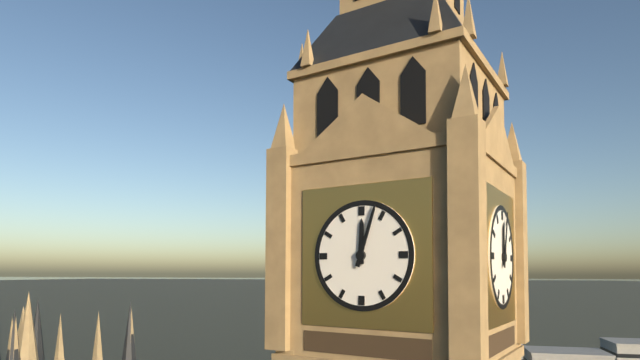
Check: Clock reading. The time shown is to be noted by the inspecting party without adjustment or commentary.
12:03
